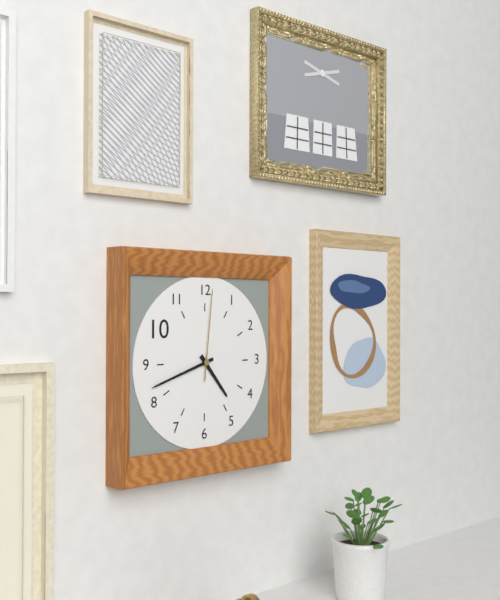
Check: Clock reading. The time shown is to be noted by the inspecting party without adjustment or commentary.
4:42:01
